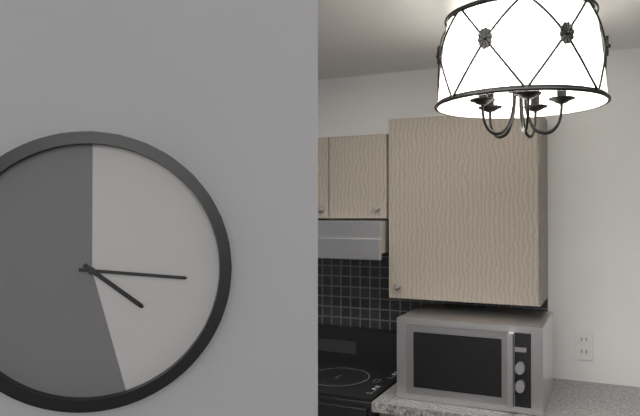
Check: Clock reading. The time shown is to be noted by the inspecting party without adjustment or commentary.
4:16
